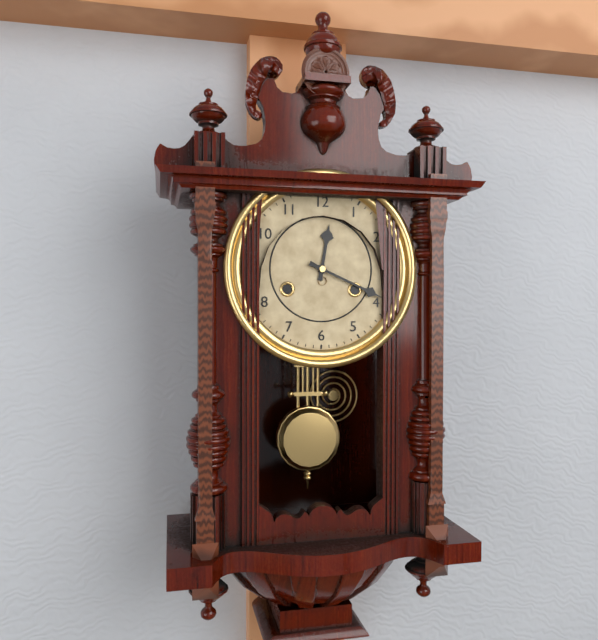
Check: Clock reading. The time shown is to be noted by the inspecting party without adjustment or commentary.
12:19
